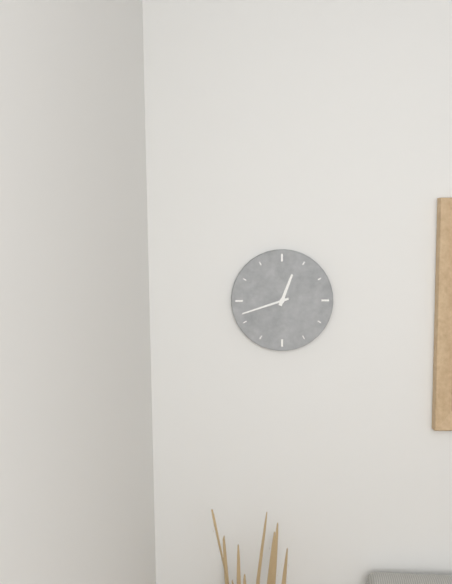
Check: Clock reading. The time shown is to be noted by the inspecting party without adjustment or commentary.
12:42
